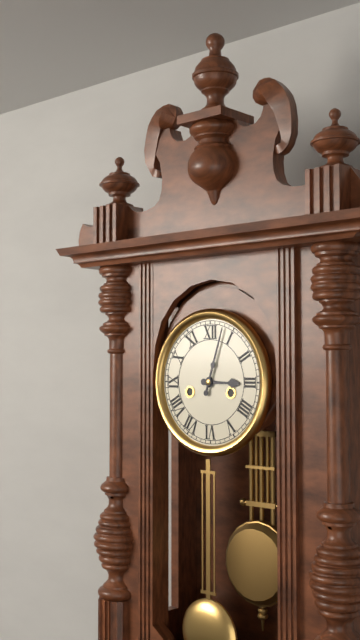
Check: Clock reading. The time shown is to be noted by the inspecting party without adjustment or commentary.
3:03
